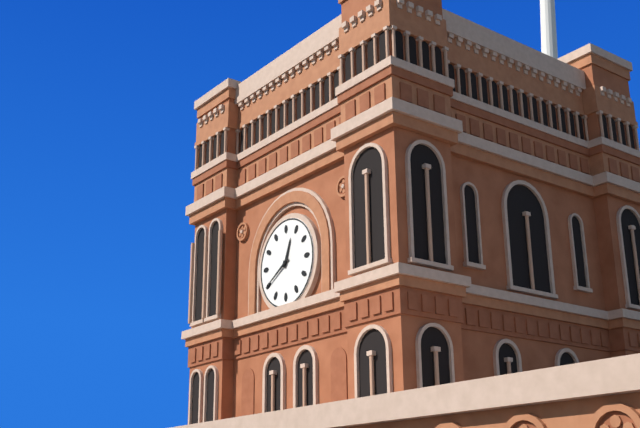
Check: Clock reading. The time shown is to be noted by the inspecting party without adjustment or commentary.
12:40
